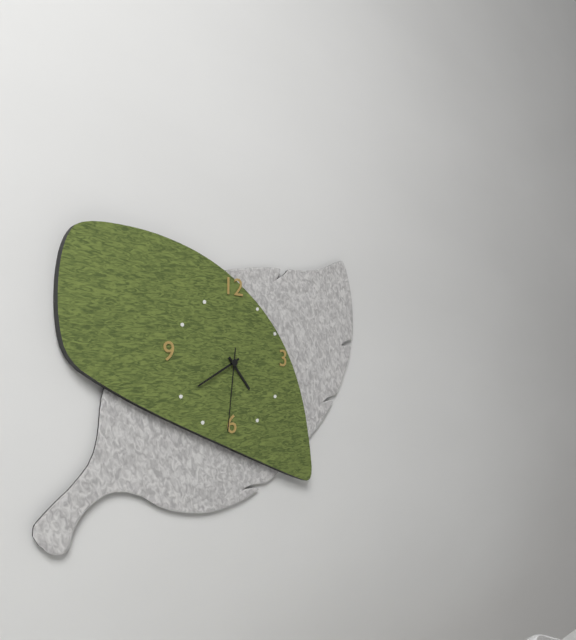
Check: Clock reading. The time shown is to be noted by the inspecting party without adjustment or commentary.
4:40:31
